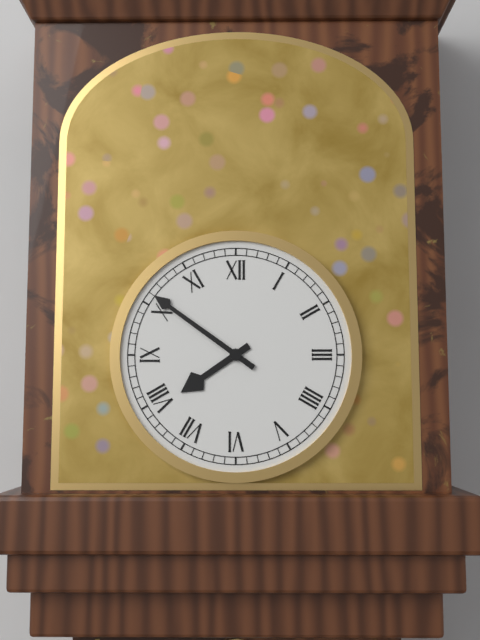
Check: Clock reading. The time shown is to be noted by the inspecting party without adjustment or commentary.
7:51
